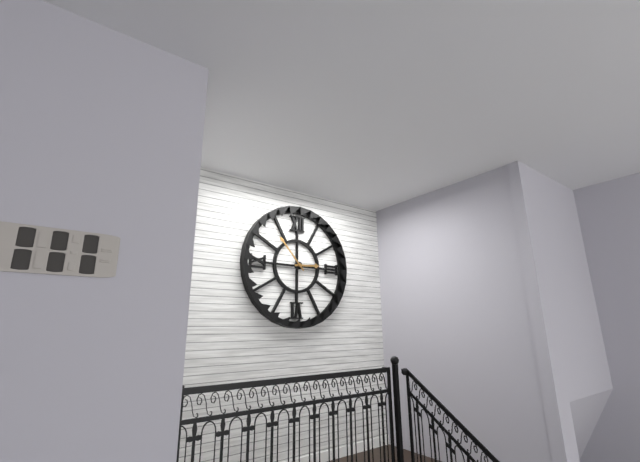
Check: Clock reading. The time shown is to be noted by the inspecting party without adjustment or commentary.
2:53
